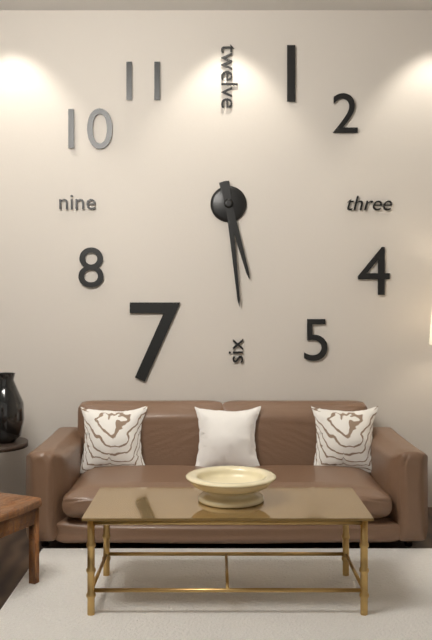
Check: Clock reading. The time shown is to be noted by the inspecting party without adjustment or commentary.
5:29
